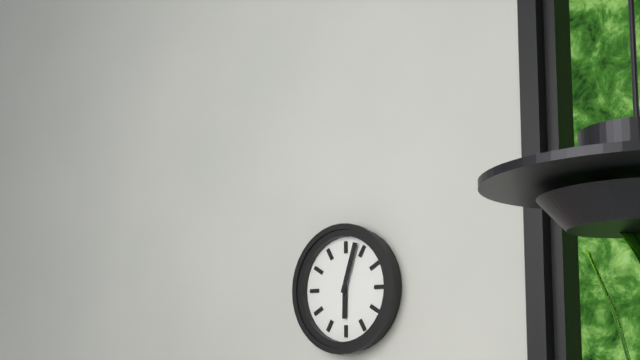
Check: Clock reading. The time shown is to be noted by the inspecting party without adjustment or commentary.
6:03
